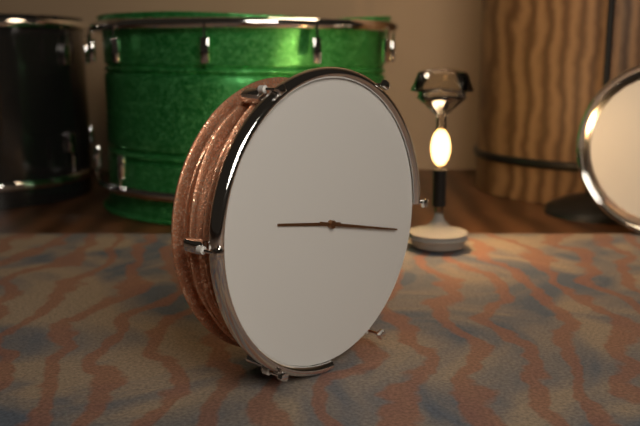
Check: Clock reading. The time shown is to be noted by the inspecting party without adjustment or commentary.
9:17
